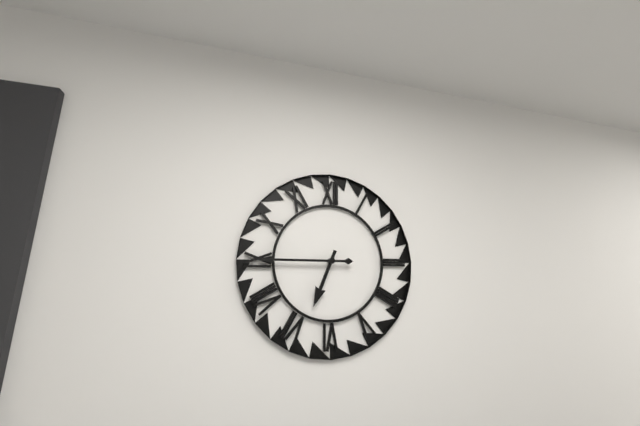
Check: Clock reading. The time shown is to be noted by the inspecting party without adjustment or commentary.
6:45
